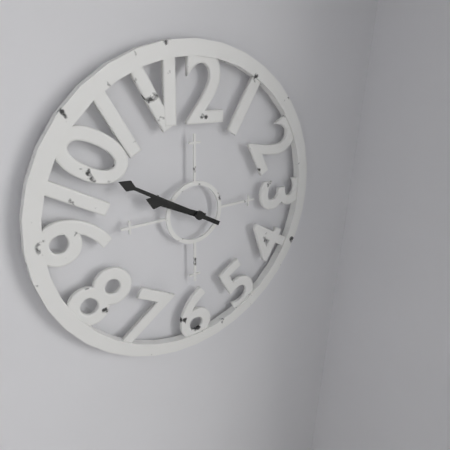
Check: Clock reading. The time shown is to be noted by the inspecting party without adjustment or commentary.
9:50
